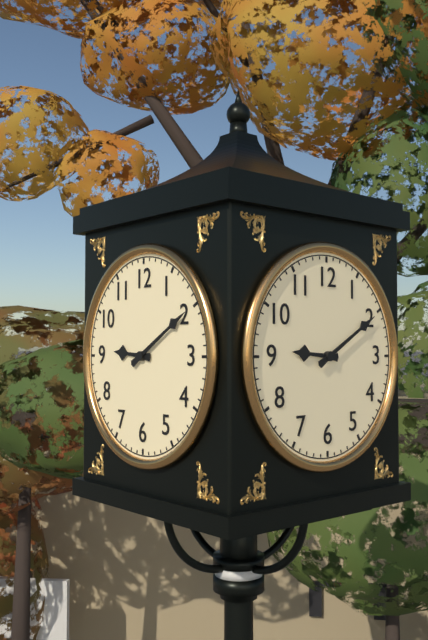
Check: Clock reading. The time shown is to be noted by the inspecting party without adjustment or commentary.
9:10
